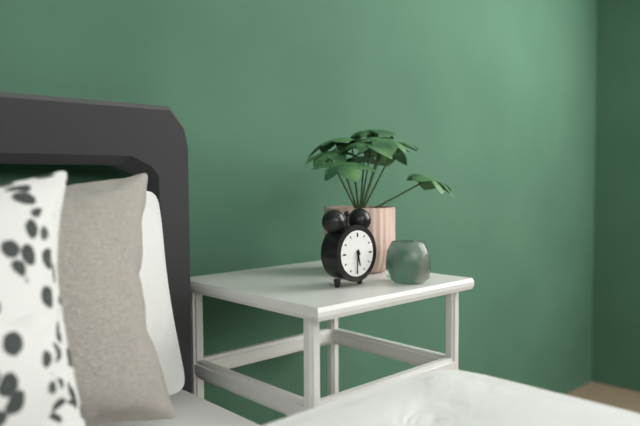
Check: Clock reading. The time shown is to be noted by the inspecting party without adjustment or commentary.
5:31
